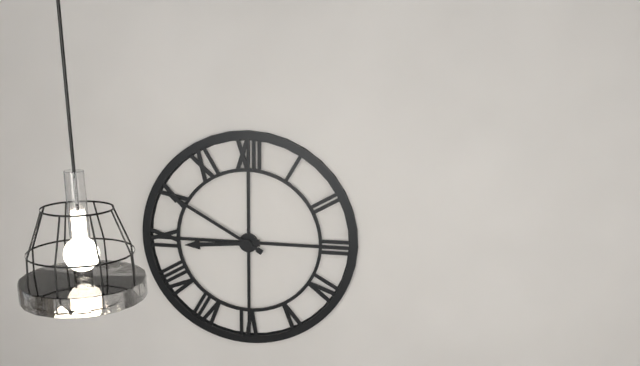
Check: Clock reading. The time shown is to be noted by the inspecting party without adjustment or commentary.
8:50
